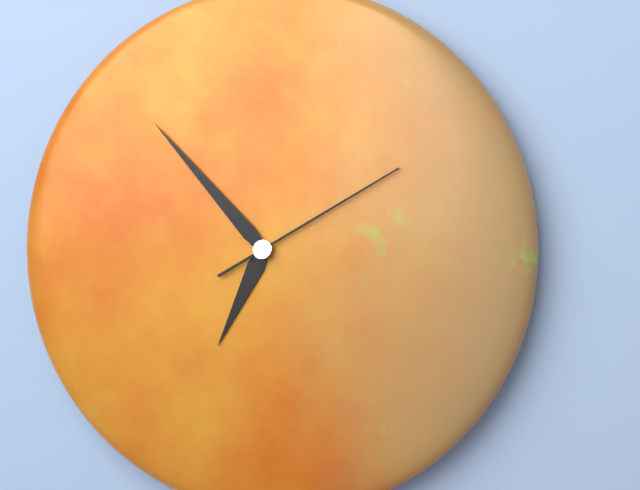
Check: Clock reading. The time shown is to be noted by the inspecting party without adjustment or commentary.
6:53:10
